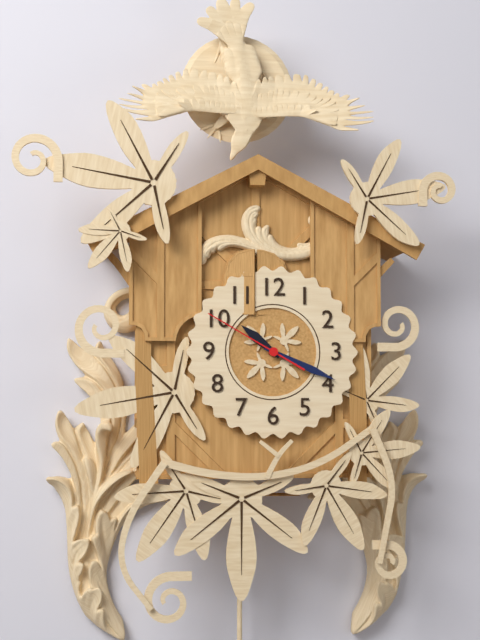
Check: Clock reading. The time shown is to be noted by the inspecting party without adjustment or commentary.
10:19:50
